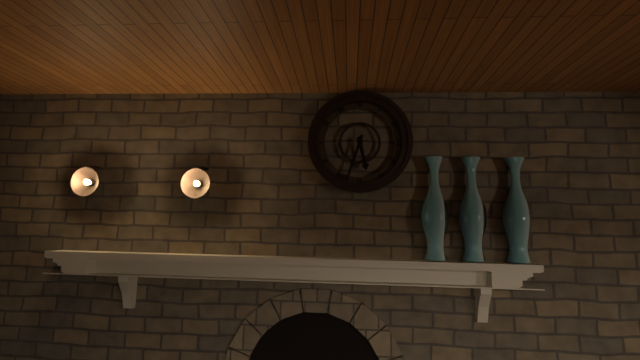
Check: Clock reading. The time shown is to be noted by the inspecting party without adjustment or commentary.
5:33
